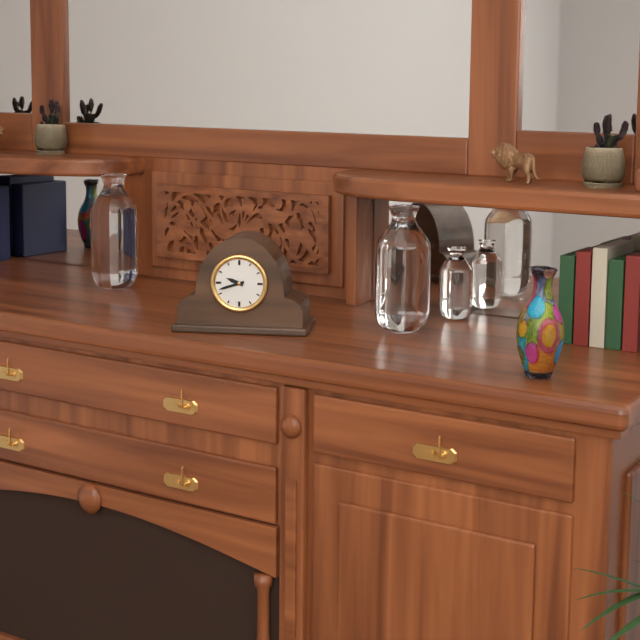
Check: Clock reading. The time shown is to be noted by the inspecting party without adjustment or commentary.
9:42
